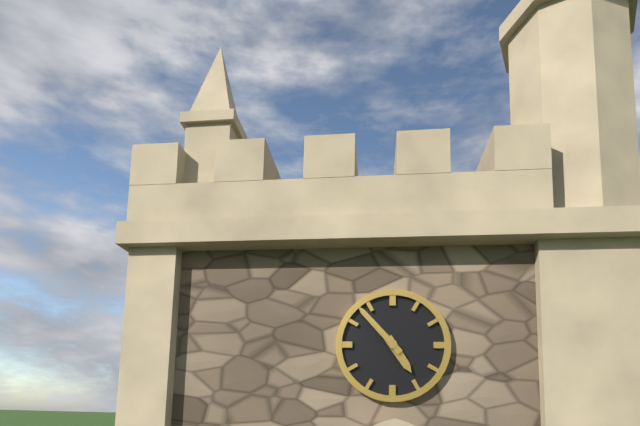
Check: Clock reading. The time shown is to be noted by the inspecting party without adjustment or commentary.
4:53
